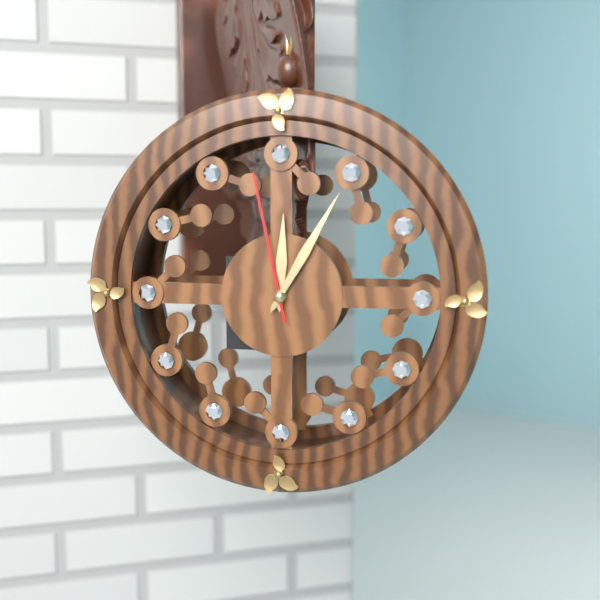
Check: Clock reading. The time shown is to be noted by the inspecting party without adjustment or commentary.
12:05:58
